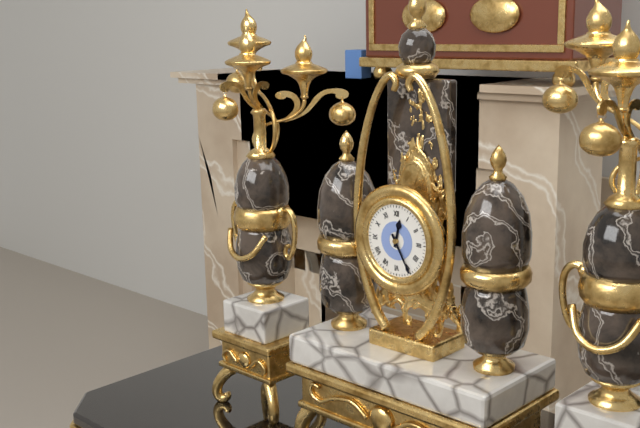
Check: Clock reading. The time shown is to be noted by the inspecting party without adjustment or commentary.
12:25
